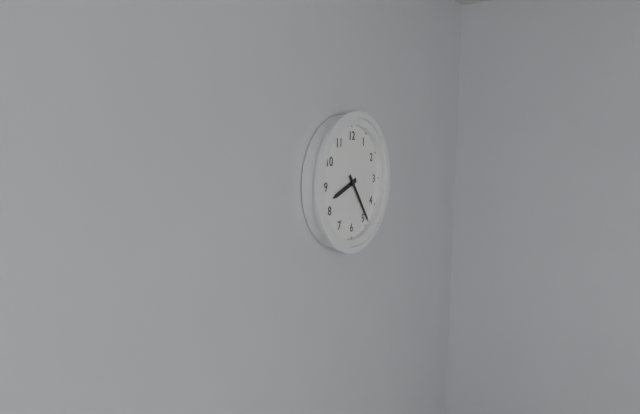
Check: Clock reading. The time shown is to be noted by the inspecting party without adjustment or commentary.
8:24
